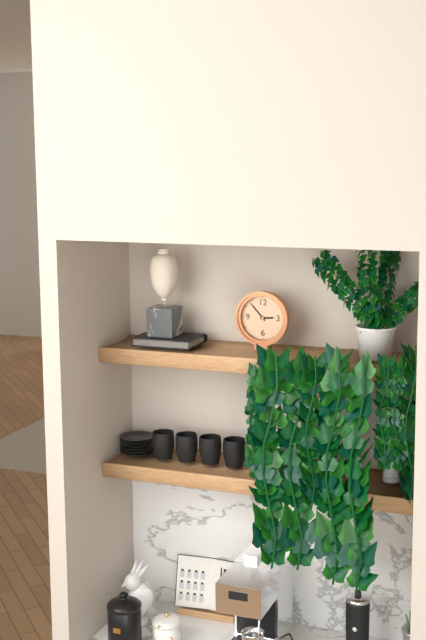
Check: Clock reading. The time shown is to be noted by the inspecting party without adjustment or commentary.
2:53
